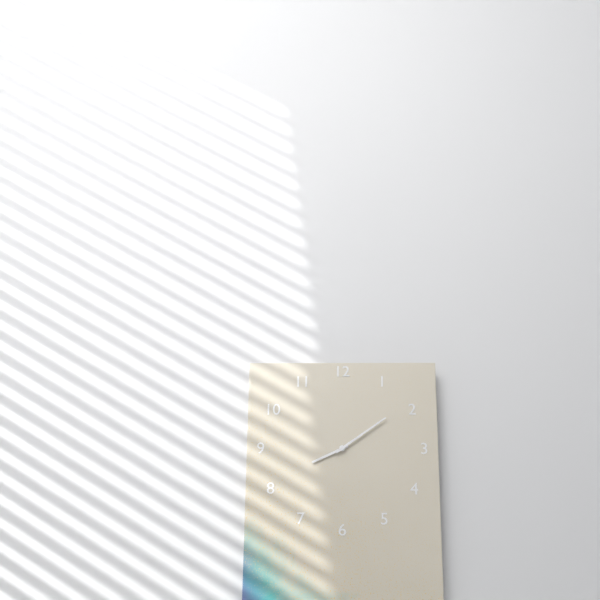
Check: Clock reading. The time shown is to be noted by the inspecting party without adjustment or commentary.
8:09
